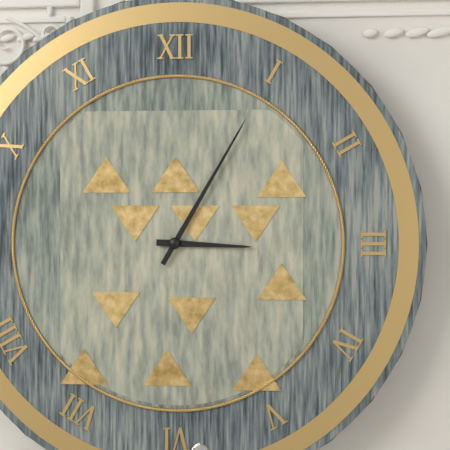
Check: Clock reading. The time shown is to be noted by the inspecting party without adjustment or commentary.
3:05
